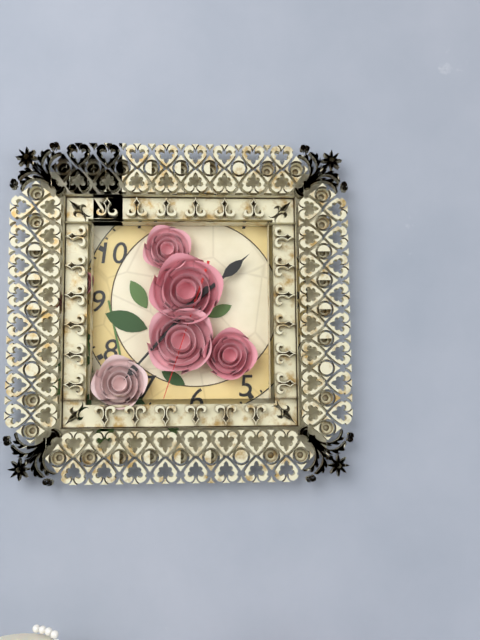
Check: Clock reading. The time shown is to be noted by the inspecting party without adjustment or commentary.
1:37:33
